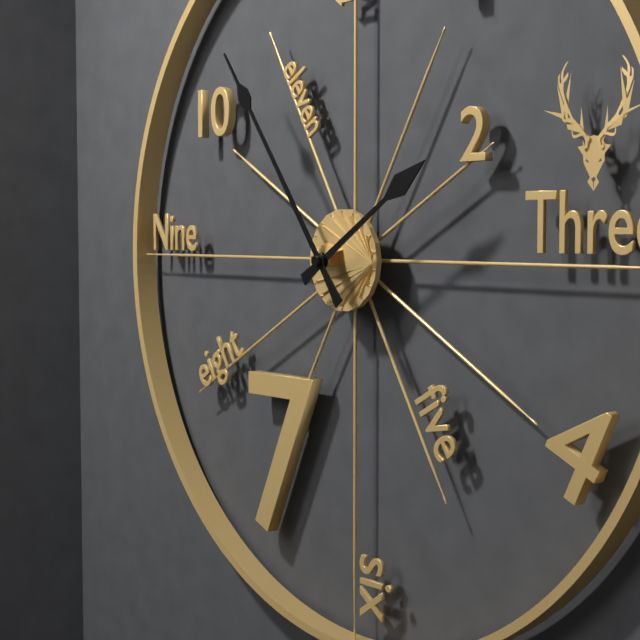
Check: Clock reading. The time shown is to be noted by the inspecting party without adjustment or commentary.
1:54
